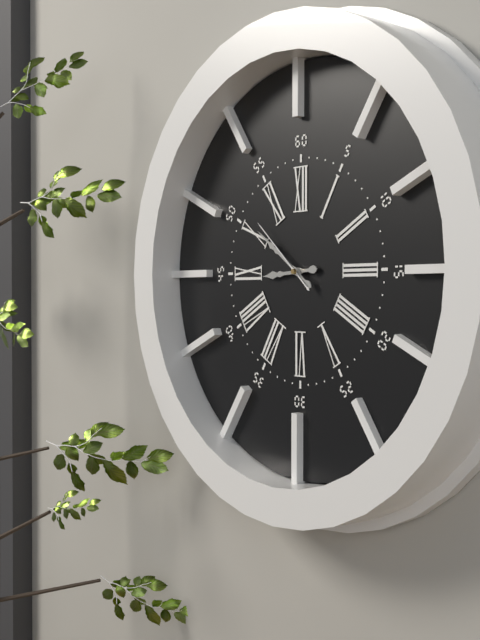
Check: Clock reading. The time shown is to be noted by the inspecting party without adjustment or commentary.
8:51:52
